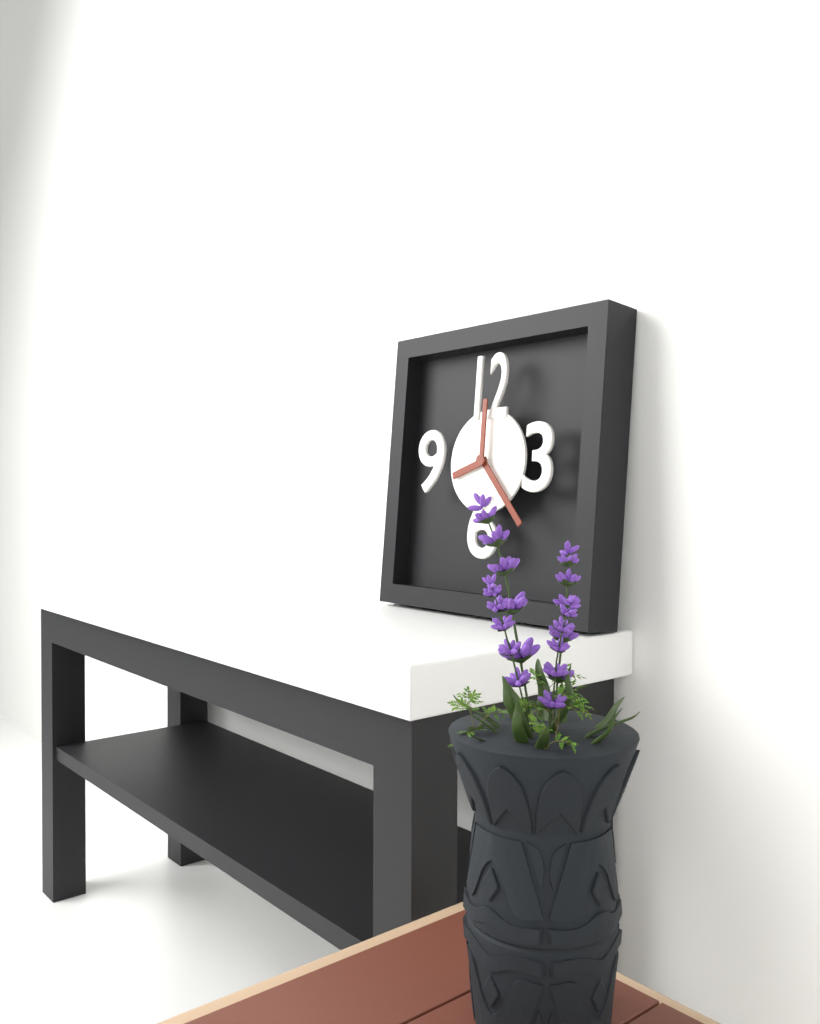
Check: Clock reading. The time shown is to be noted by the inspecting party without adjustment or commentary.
8:23:00
